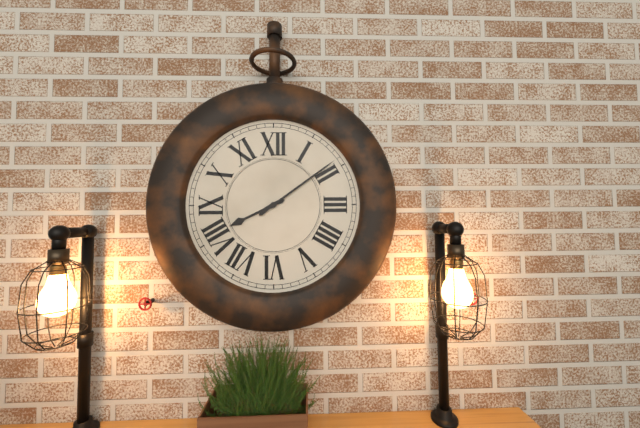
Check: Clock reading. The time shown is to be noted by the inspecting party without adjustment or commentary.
8:09
